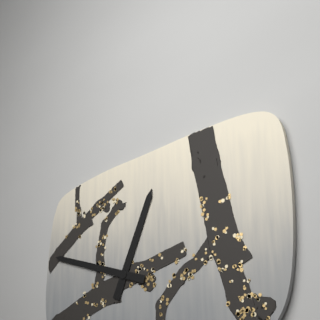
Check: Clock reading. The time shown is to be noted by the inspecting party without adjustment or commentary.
12:48
